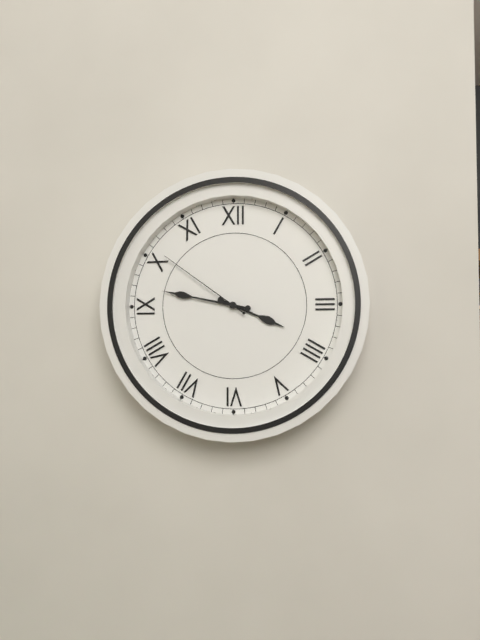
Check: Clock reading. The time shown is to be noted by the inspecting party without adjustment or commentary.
3:47:51
